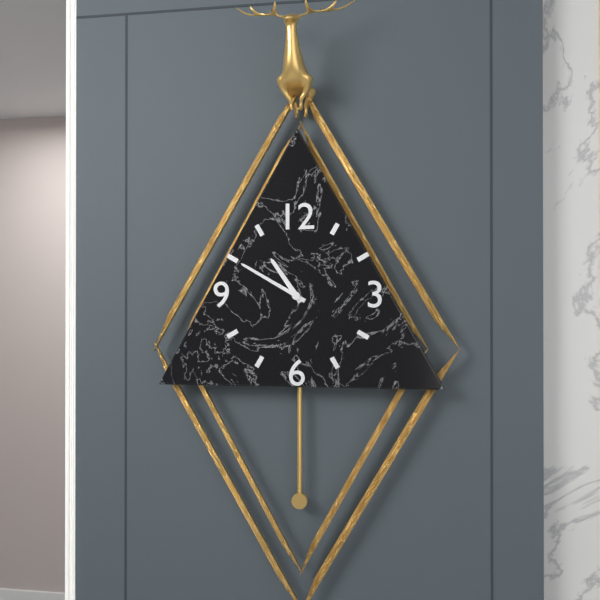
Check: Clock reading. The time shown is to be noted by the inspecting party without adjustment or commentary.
10:50
